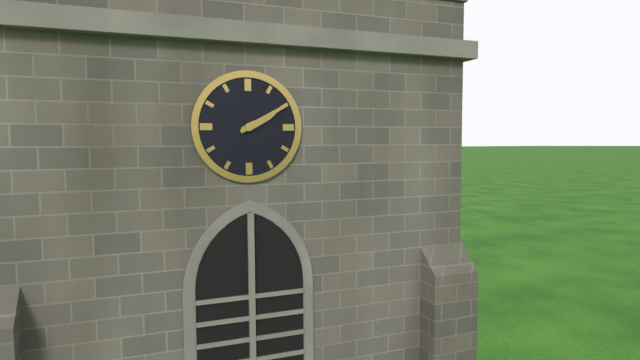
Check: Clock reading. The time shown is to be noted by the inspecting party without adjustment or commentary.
2:10
